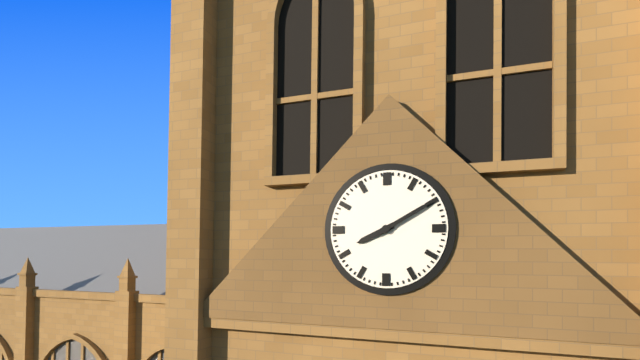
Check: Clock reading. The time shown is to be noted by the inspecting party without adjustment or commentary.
8:10
